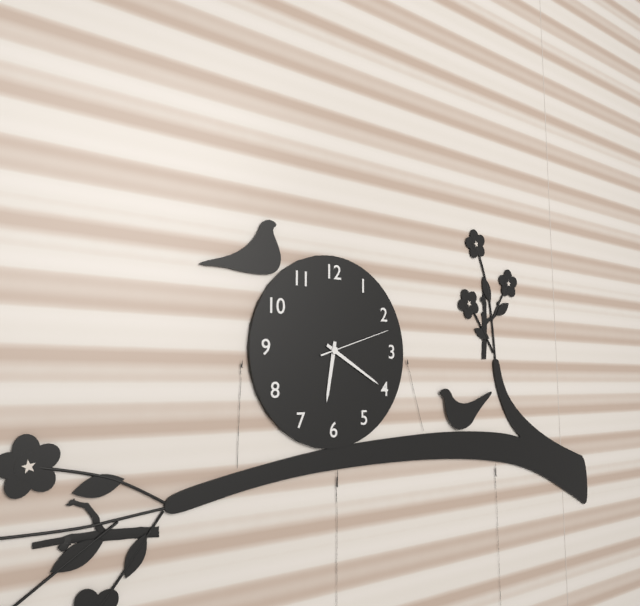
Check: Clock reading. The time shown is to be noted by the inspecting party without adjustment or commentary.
6:20:12
